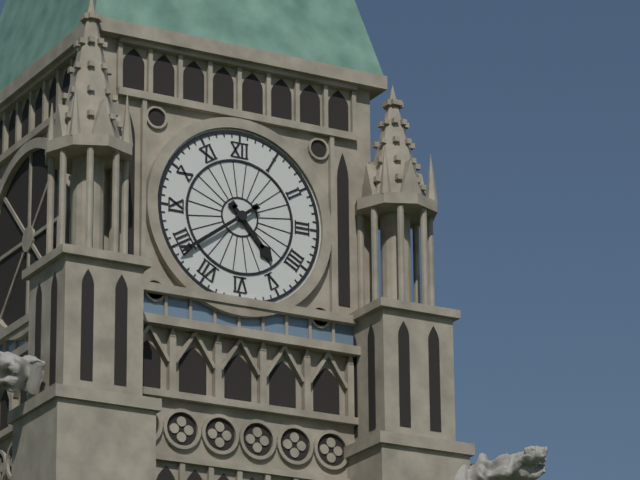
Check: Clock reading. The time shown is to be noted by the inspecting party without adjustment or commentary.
4:39
